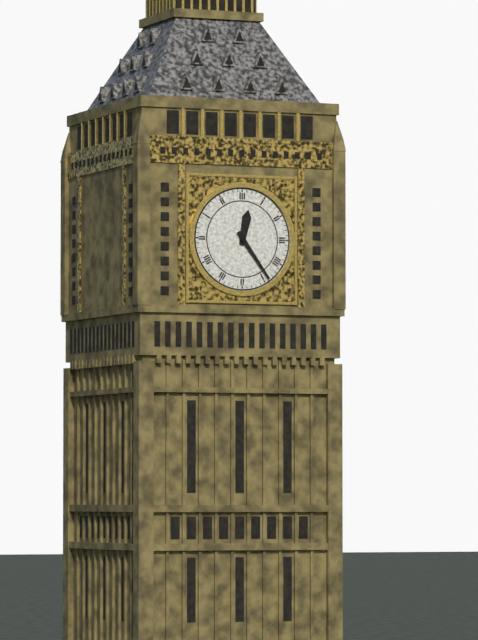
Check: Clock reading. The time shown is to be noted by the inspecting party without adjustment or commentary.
12:24
